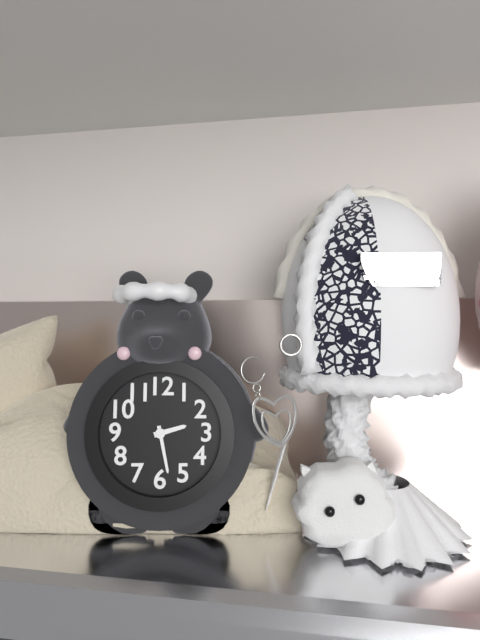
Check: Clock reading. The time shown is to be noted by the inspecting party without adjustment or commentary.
2:28
